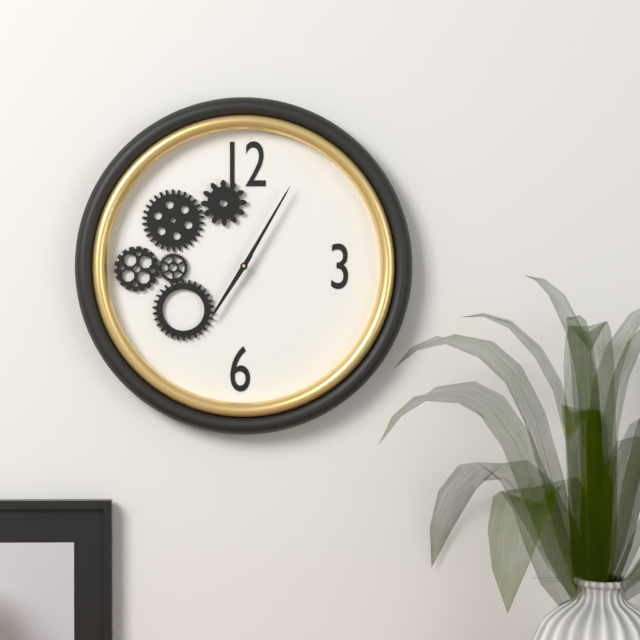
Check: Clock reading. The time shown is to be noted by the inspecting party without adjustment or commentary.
7:05
